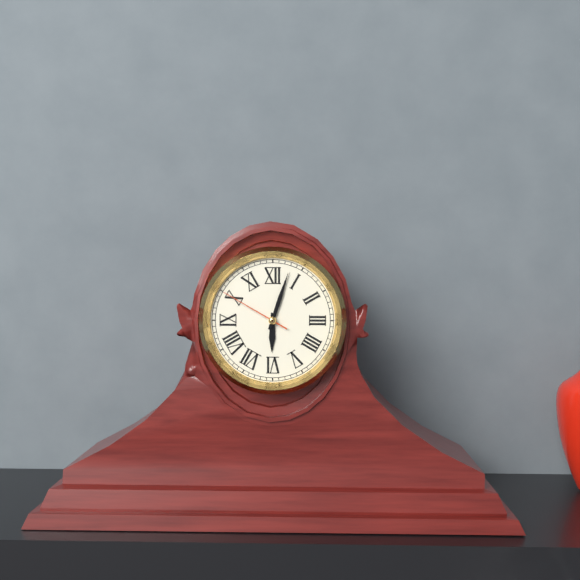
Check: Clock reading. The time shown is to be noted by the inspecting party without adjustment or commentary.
6:03:50
